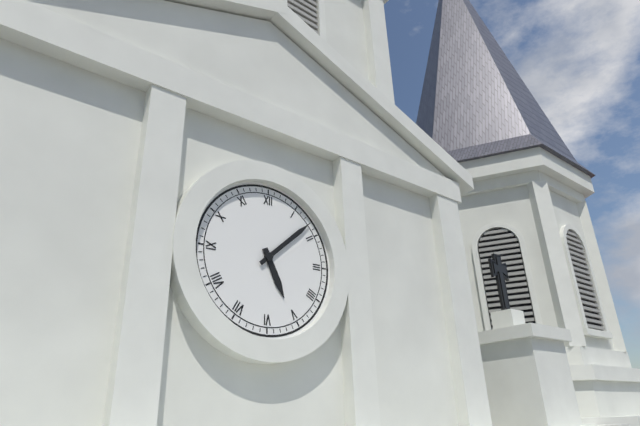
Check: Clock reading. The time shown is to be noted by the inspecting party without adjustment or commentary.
5:08
